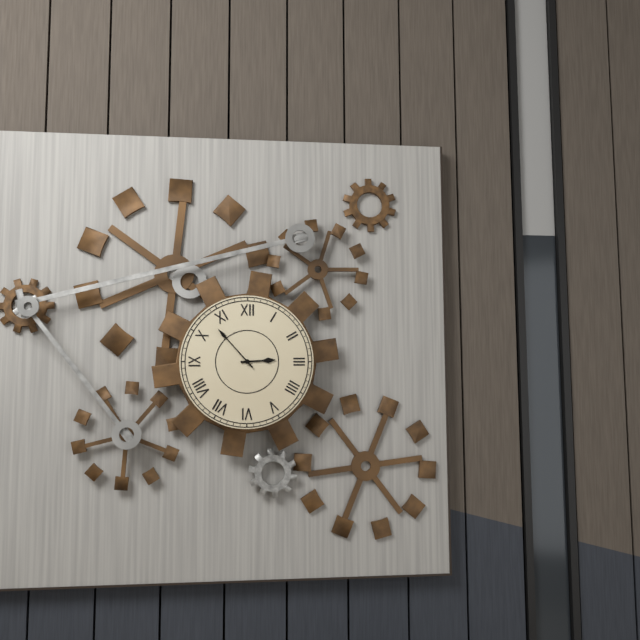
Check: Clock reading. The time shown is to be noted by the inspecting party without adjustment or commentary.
2:53
